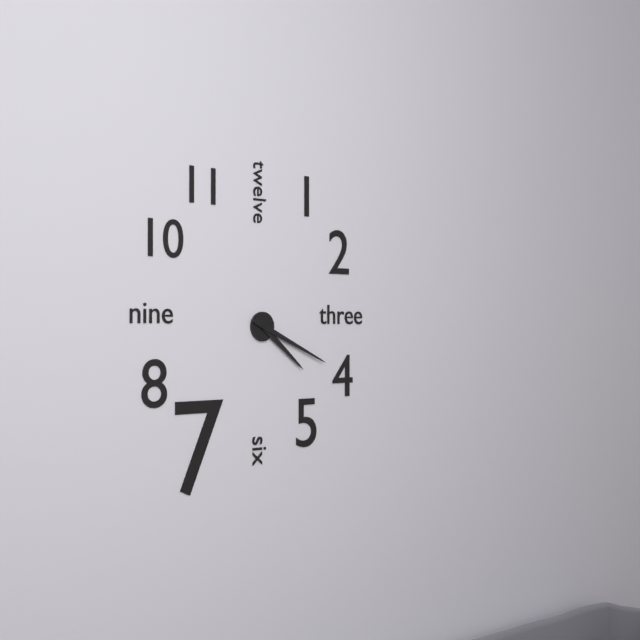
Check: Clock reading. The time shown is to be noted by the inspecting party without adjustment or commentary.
4:19
